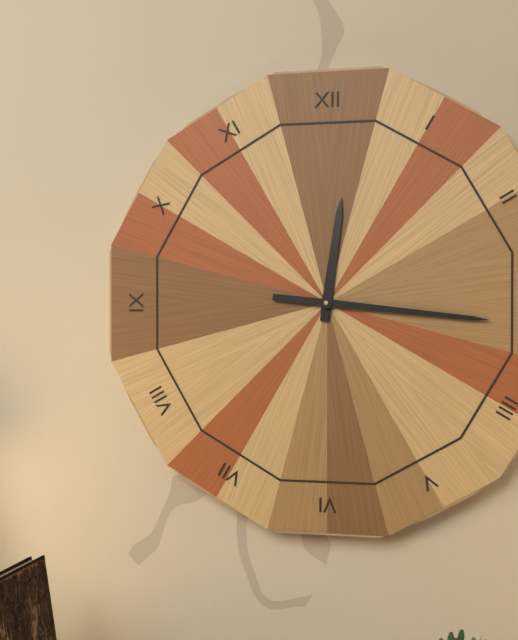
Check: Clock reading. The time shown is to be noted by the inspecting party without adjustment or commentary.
12:16
